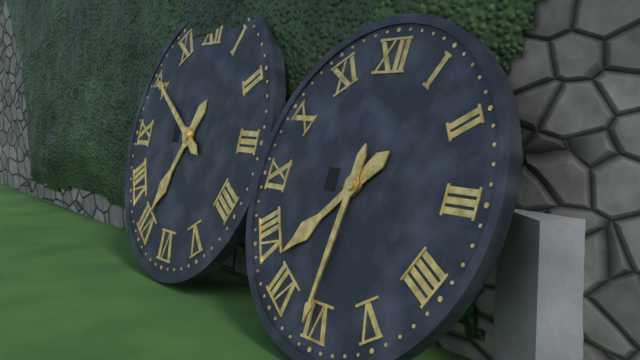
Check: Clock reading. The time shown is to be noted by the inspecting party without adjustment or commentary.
7:31
